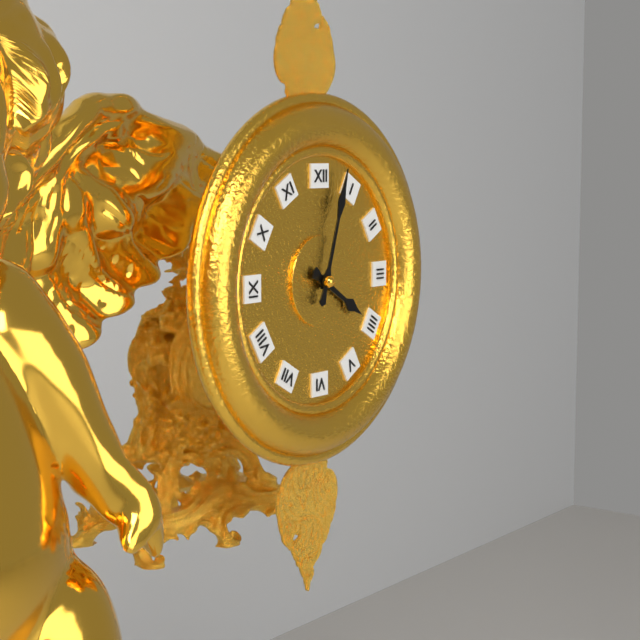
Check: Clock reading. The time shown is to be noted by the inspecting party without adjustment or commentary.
4:03
